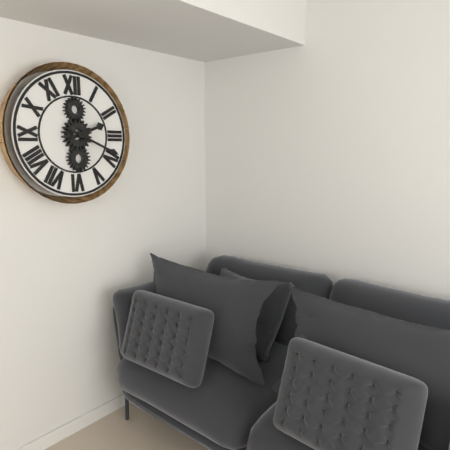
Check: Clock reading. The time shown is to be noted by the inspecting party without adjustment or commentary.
2:19
